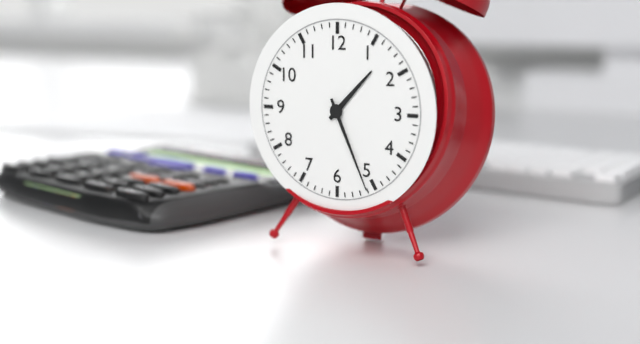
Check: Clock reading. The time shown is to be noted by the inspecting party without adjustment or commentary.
1:26
